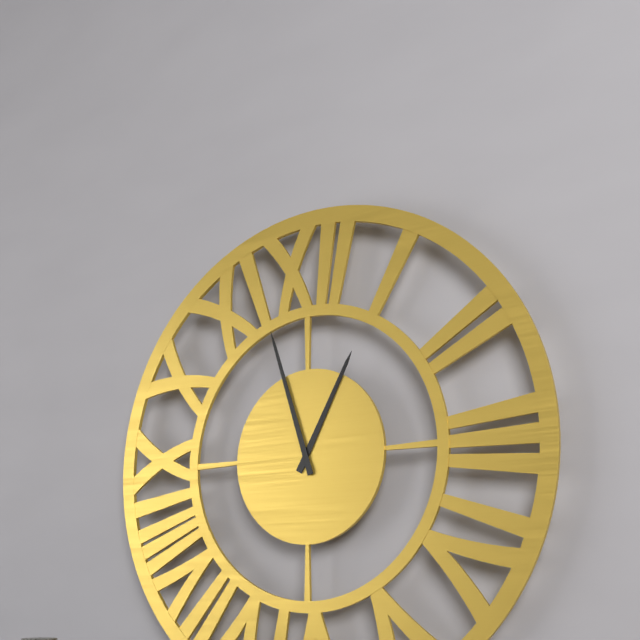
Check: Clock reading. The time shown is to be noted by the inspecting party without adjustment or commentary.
12:57
